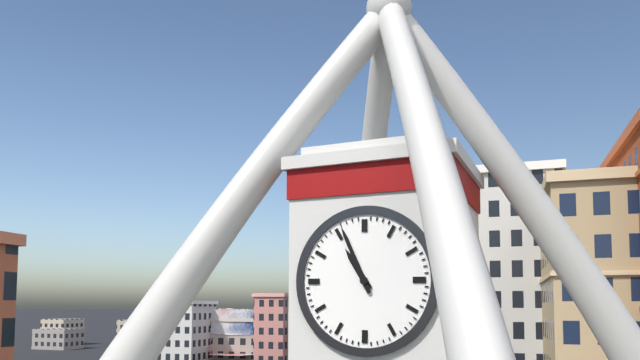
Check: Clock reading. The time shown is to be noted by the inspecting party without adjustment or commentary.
10:56
